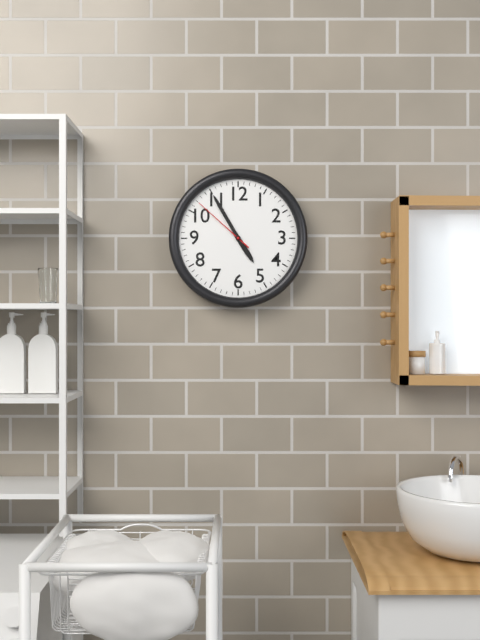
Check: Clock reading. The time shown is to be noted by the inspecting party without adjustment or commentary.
4:55:52
